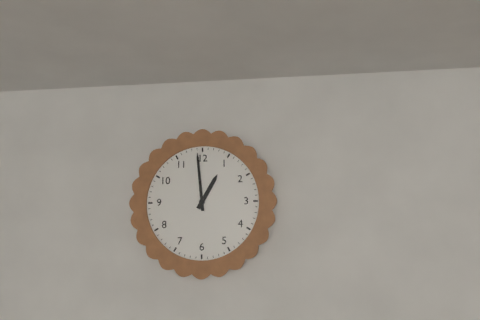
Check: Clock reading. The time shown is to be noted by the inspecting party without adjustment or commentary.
12:59
